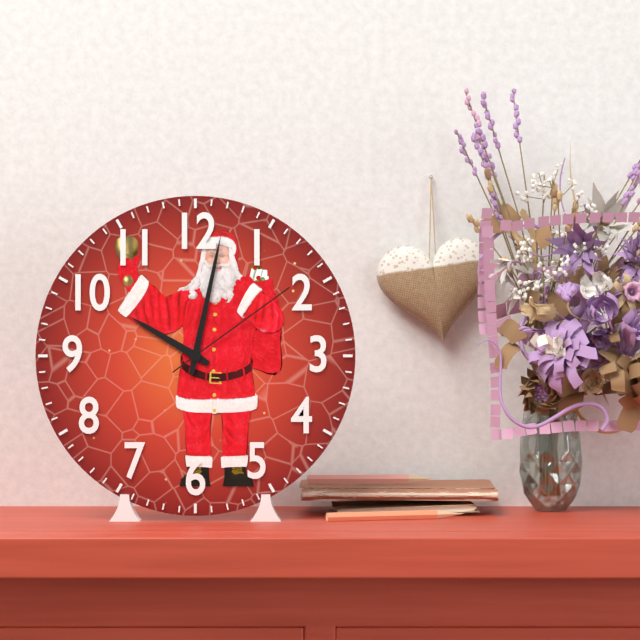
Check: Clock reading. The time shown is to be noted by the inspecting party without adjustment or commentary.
10:02:09
